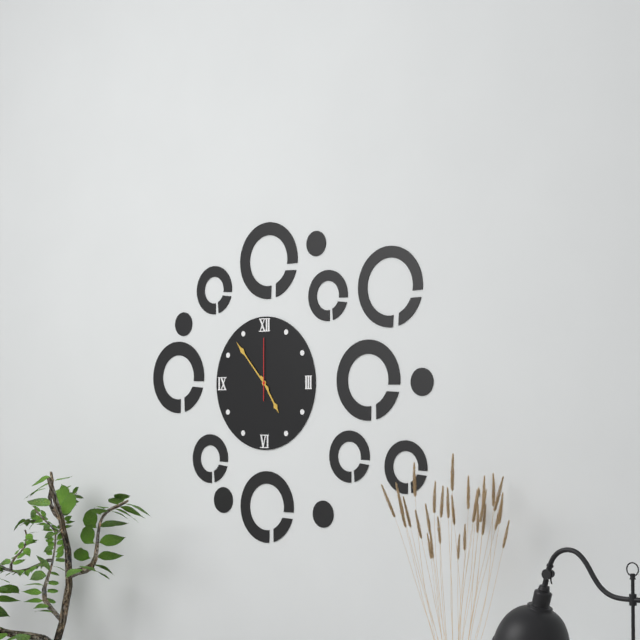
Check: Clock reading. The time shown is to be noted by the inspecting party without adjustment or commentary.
4:53:00
